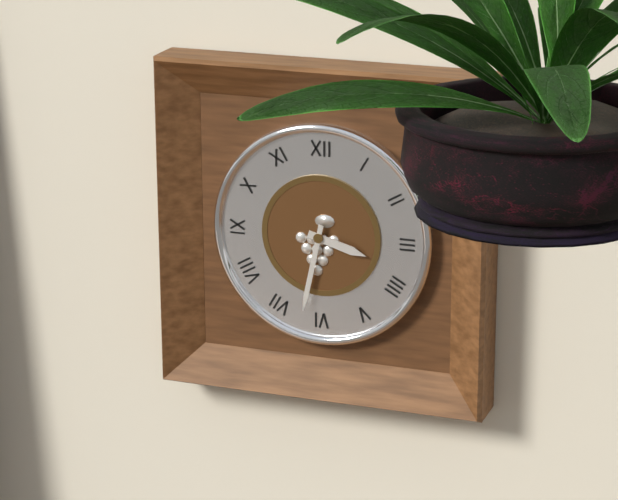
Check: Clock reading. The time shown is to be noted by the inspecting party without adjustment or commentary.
3:32
